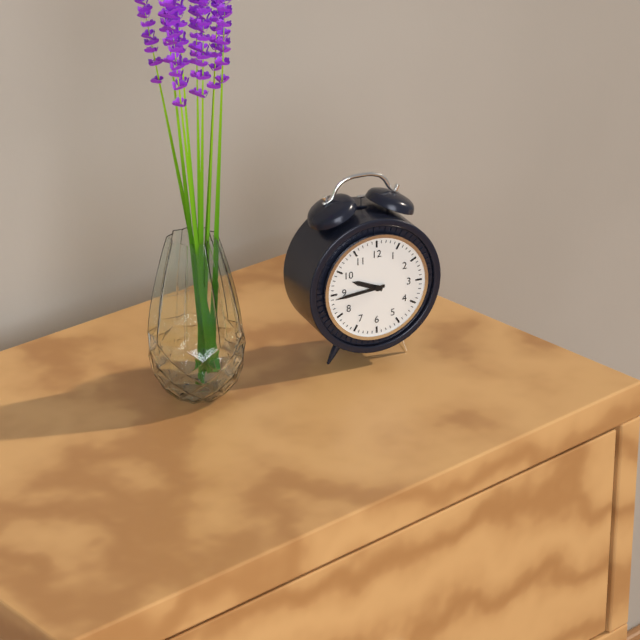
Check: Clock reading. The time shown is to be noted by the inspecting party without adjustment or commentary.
9:44
